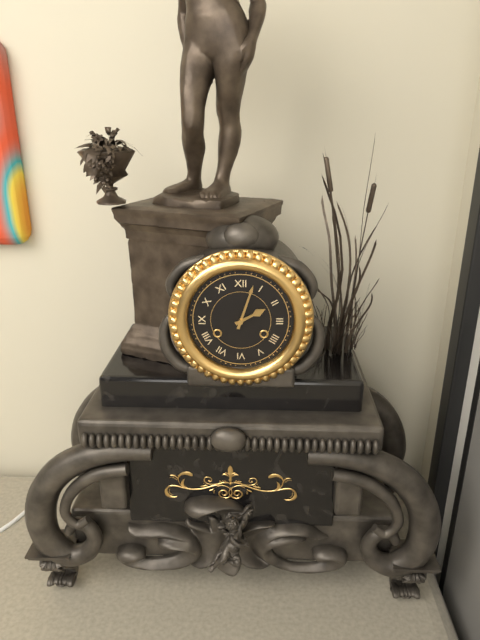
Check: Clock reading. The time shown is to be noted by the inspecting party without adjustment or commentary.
2:03
